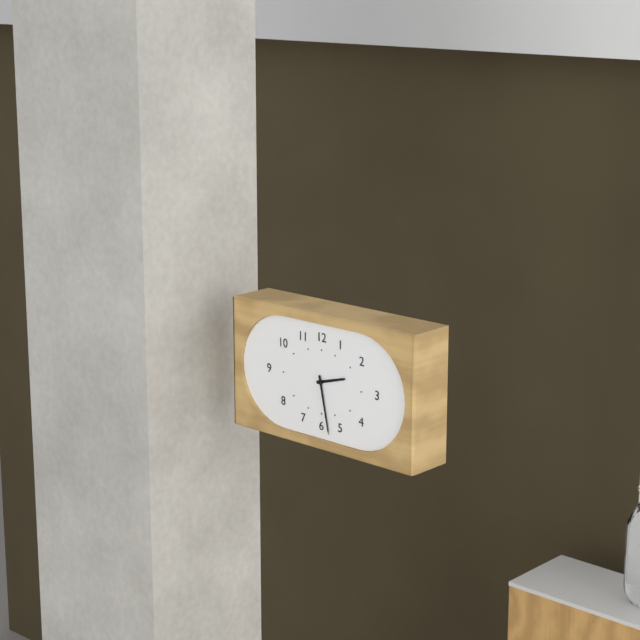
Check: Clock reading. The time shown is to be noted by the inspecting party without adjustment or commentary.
2:28
